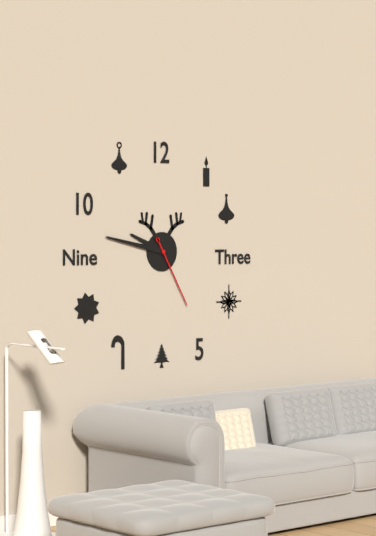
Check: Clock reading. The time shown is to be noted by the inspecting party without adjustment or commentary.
9:47:25
